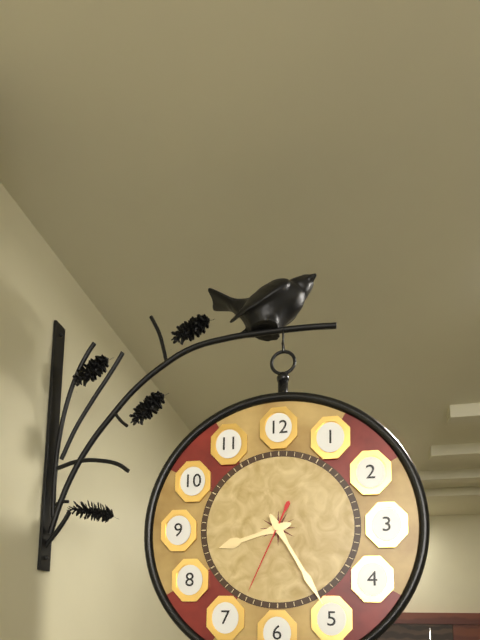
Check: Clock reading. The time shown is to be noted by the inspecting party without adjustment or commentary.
8:25:34
